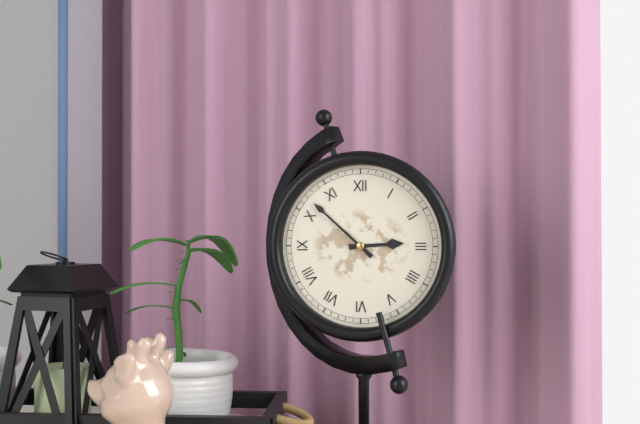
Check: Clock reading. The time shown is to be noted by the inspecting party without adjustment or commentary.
2:52
